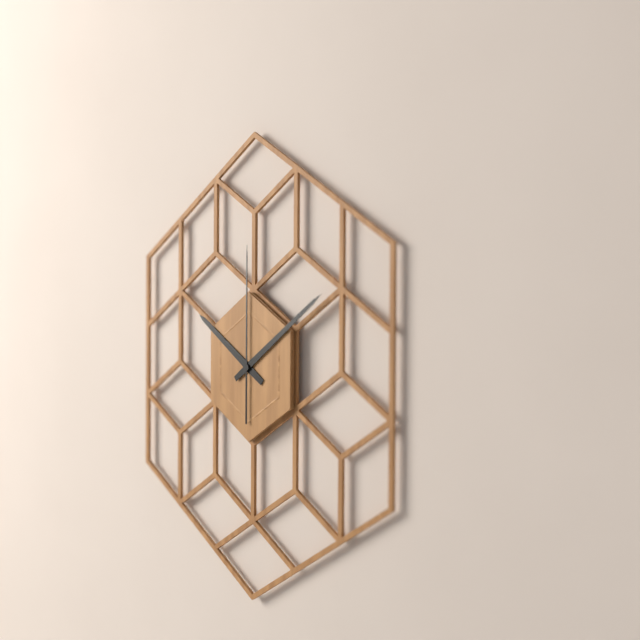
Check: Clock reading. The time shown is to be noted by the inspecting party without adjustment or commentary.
10:09:00
